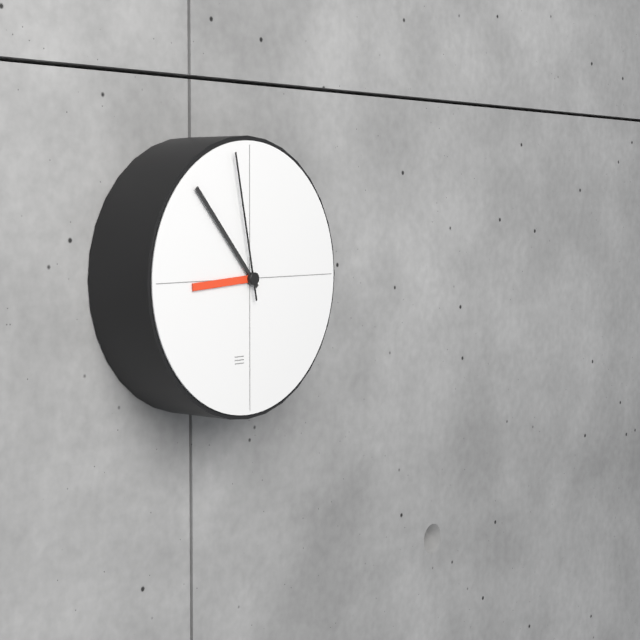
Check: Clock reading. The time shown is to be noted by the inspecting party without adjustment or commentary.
8:53:58
